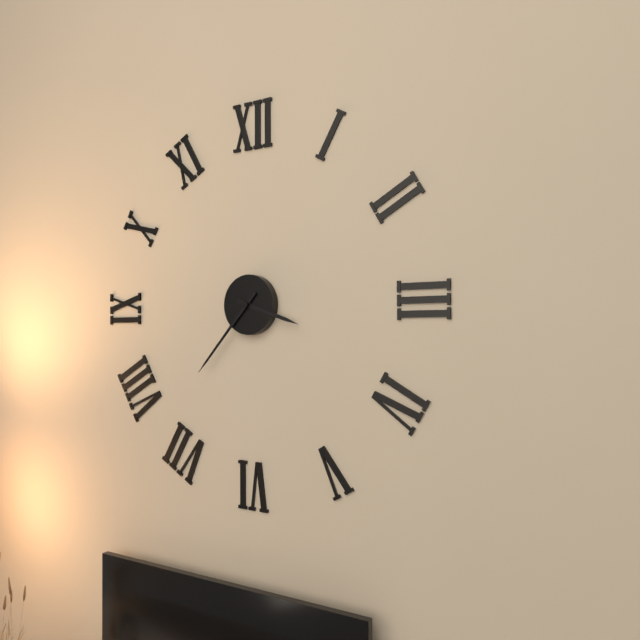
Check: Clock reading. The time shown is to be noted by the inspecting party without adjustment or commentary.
3:37
